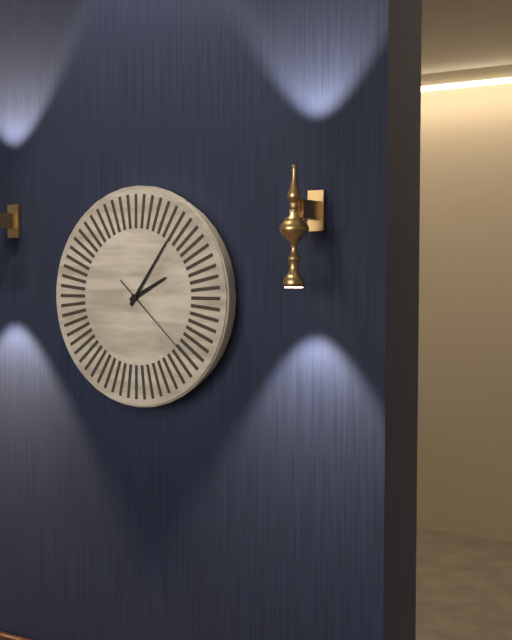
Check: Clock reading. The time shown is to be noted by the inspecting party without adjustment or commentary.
2:06:22
